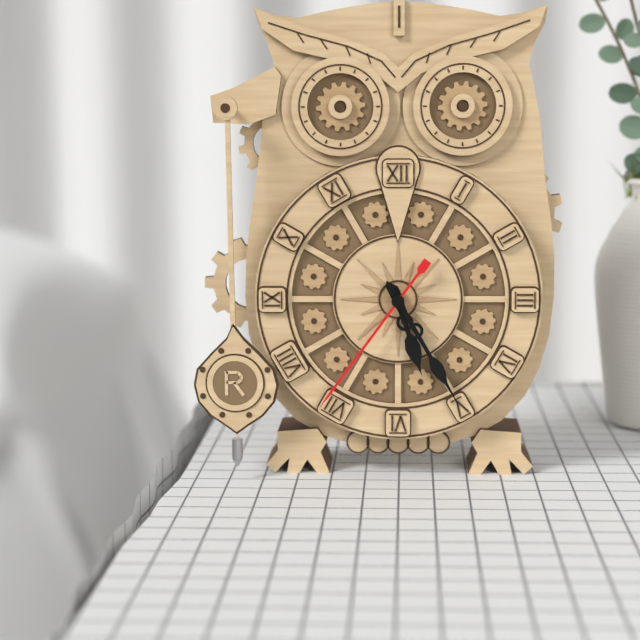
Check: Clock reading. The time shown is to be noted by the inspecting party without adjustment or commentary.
5:25:36
